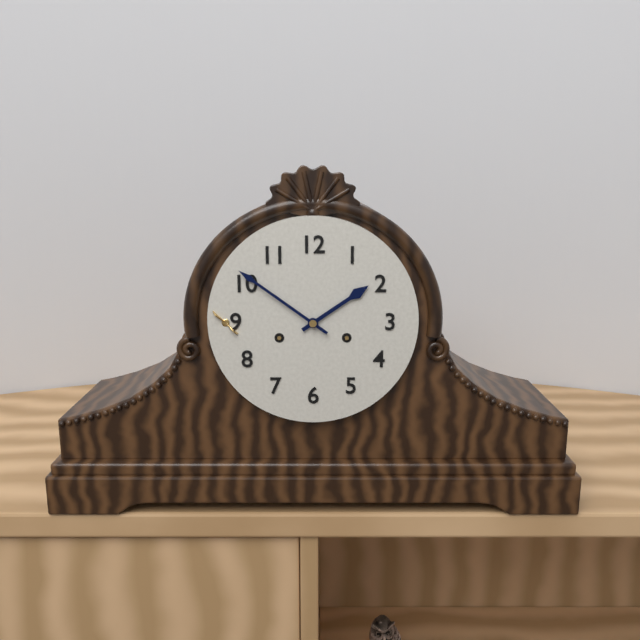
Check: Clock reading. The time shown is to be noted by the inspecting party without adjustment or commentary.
1:51
